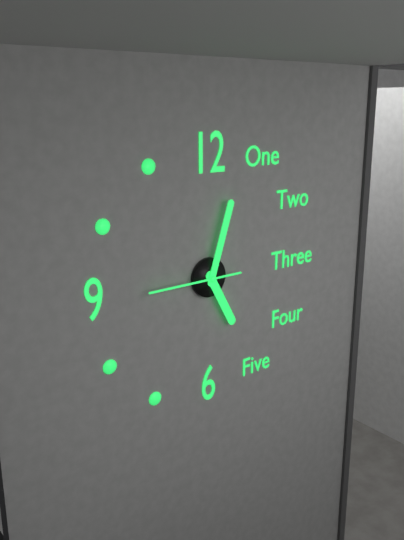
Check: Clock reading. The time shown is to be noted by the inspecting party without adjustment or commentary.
5:03:45
